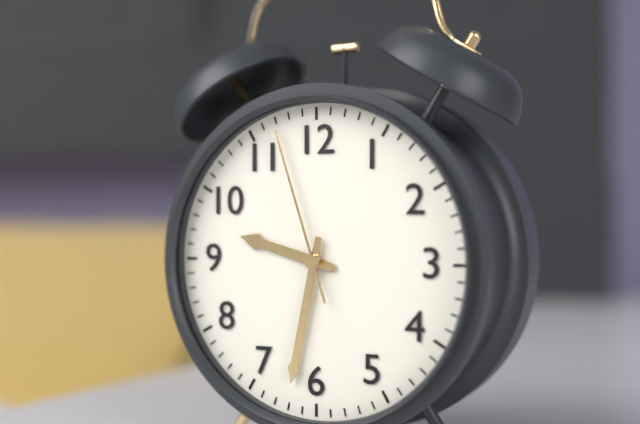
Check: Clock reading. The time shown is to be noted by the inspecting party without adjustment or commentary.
9:32:57
